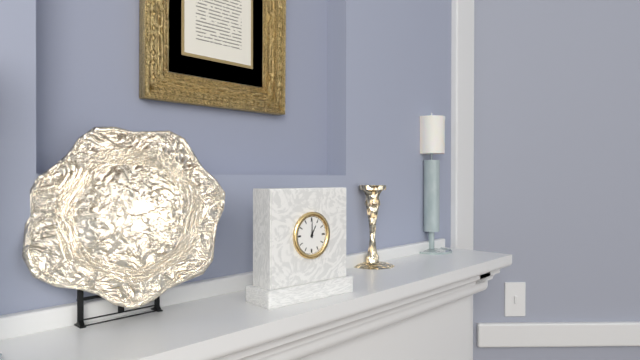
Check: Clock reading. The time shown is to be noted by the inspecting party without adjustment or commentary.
1:00
